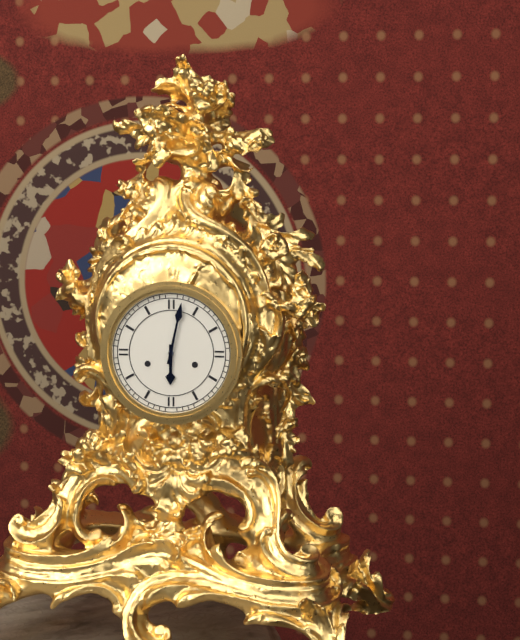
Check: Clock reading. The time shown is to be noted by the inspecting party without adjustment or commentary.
6:02
